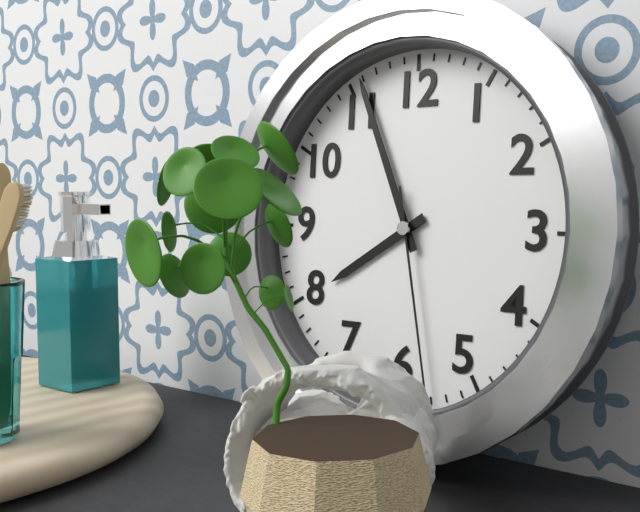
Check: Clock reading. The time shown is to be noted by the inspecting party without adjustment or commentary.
7:56:28
